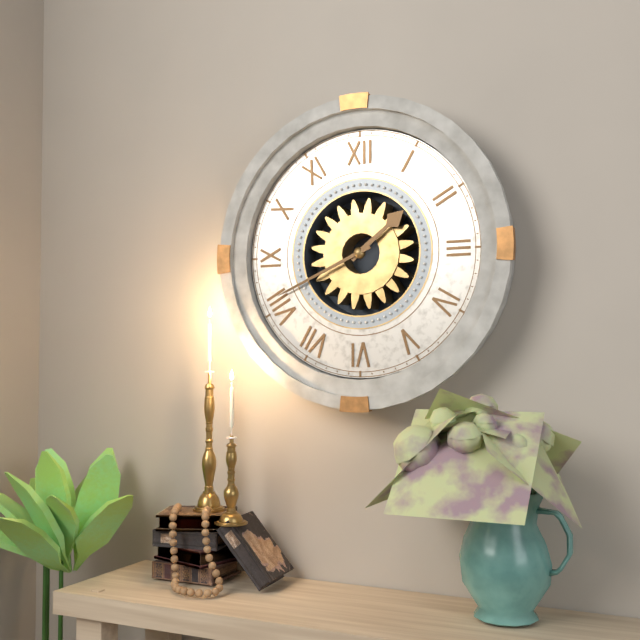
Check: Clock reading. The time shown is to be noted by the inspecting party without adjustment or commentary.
1:41
